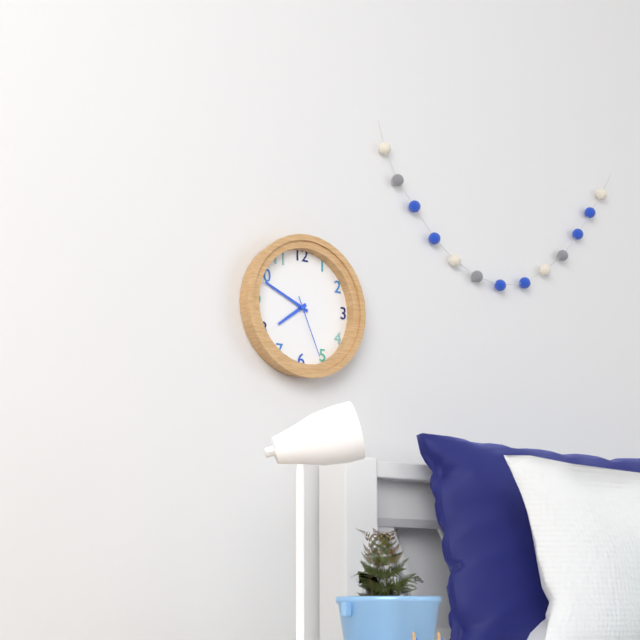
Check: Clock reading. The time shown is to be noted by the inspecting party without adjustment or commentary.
7:49:26
